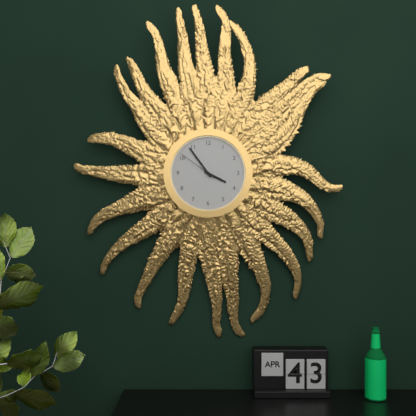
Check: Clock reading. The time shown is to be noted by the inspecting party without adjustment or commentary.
3:54
